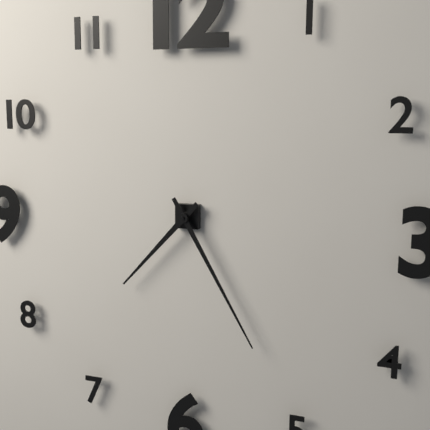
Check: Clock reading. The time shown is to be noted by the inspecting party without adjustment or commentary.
7:25
